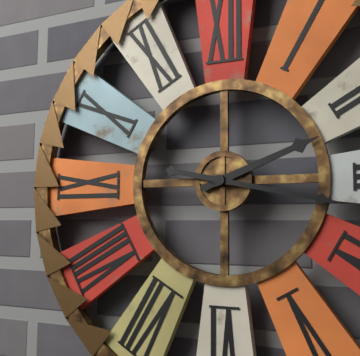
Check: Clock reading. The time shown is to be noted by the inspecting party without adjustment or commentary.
2:17
